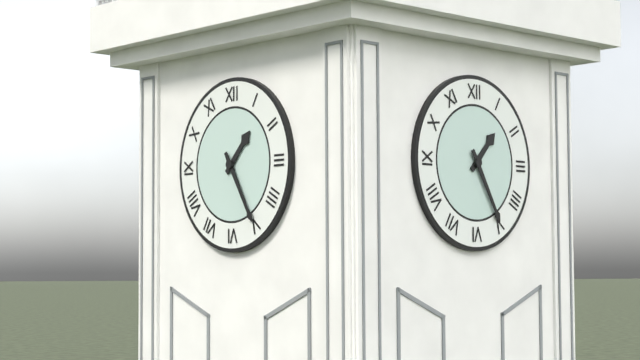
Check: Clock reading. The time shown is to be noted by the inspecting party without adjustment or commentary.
1:25
